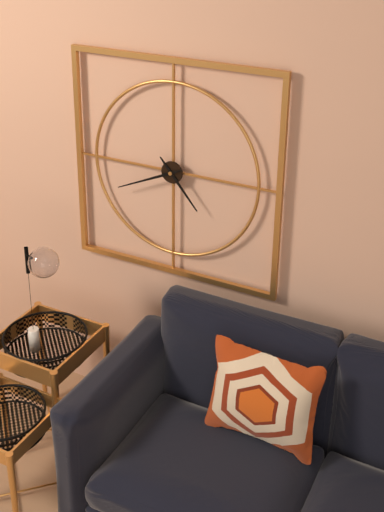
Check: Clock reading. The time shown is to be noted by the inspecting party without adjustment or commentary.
4:41
